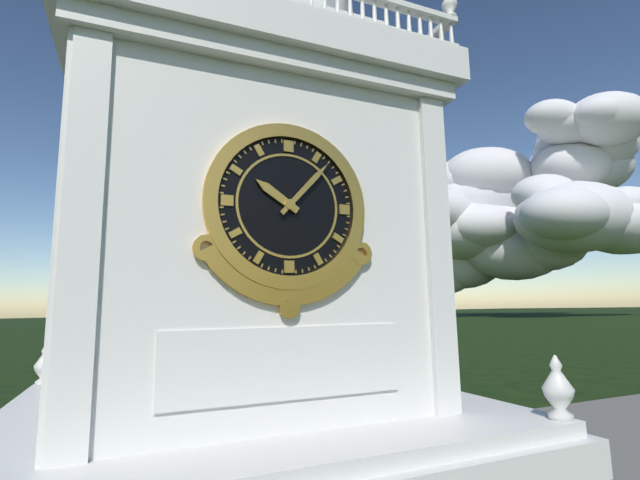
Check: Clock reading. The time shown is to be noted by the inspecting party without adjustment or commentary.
10:07
